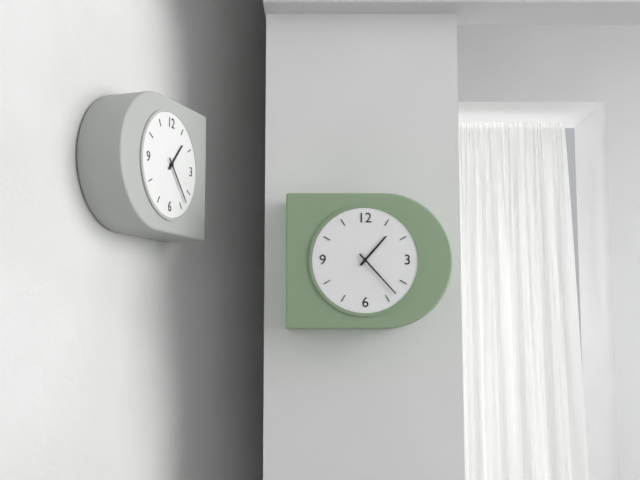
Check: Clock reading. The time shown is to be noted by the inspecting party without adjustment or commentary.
1:23
